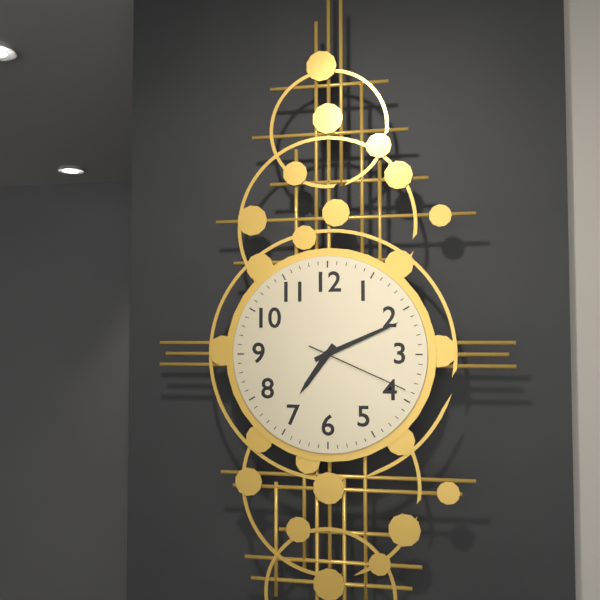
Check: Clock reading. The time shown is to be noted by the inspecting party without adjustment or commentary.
7:11:19
